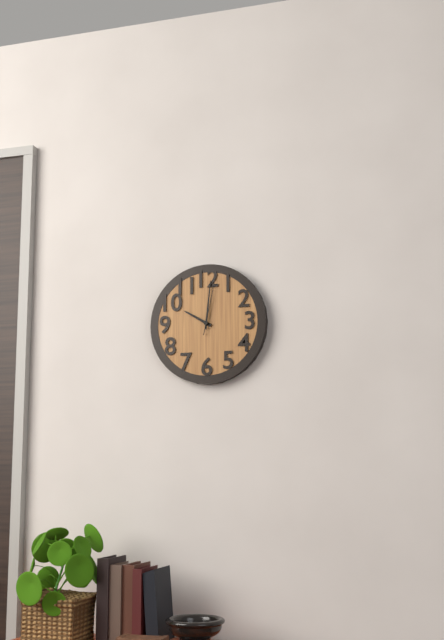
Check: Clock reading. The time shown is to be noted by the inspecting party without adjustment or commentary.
10:01:02
